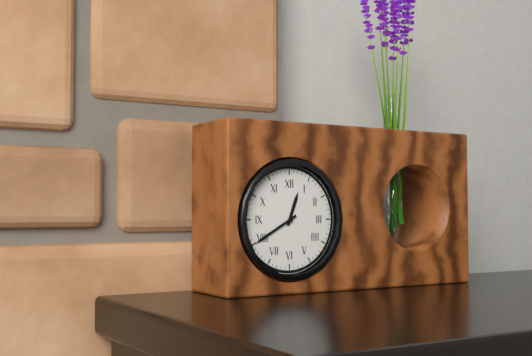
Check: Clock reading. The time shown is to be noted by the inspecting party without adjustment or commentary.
12:40
